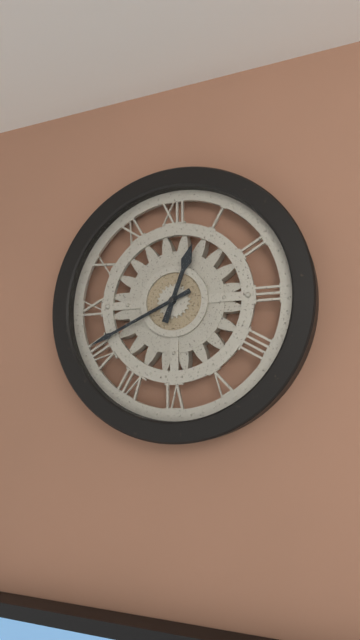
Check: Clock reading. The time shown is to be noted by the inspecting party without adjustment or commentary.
12:41
